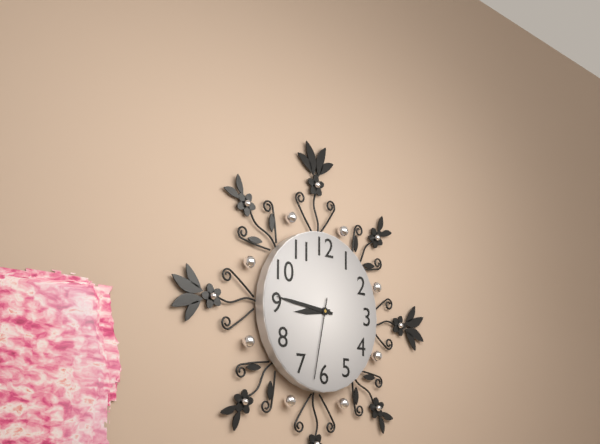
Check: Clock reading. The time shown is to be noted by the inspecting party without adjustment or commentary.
8:46:32
